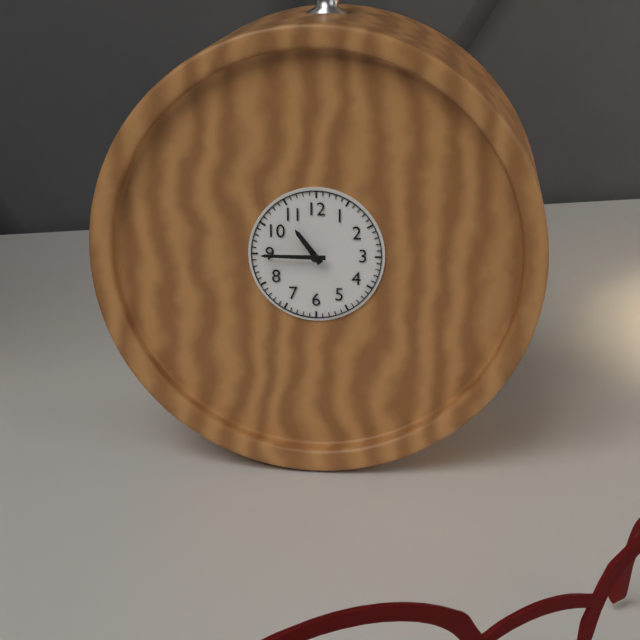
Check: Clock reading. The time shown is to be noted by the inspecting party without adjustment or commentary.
10:45
